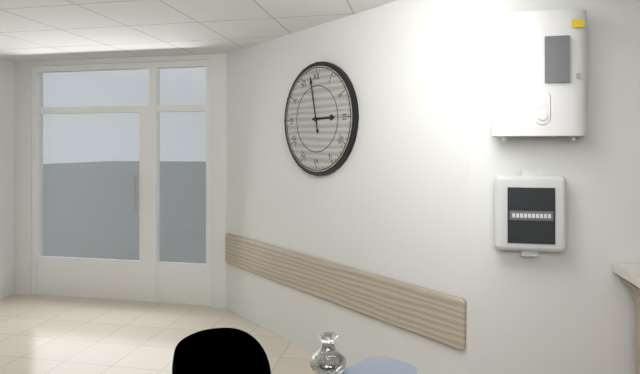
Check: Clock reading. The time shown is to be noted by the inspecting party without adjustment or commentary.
2:58
